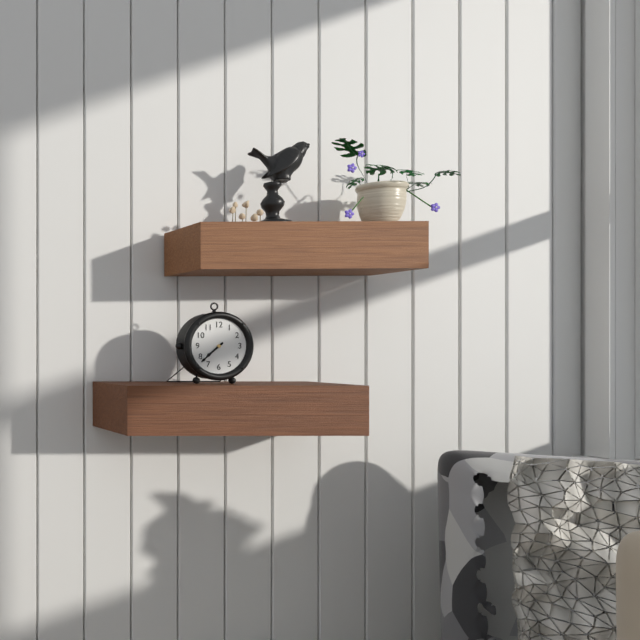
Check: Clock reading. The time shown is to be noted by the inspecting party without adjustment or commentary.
7:38
